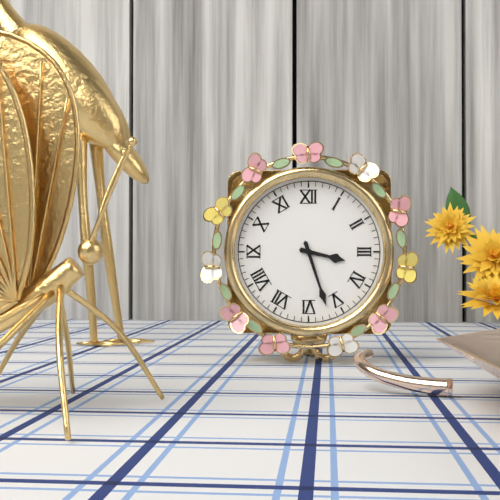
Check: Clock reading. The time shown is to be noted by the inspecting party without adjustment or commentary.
3:27
